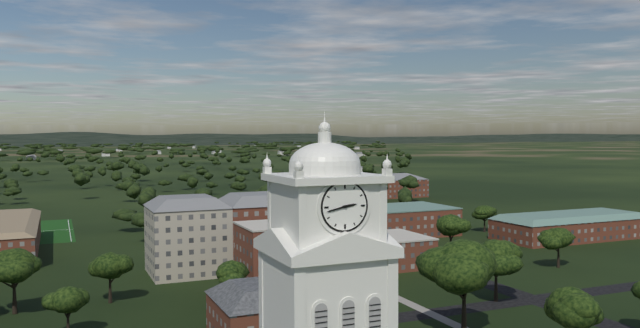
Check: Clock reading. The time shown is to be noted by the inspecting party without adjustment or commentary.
2:43
